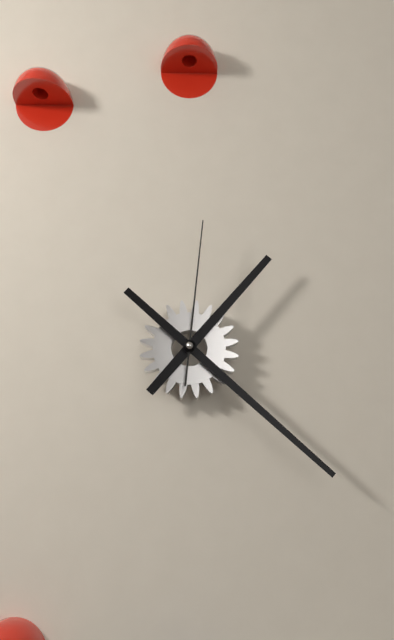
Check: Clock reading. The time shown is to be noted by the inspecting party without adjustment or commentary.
1:22:01
